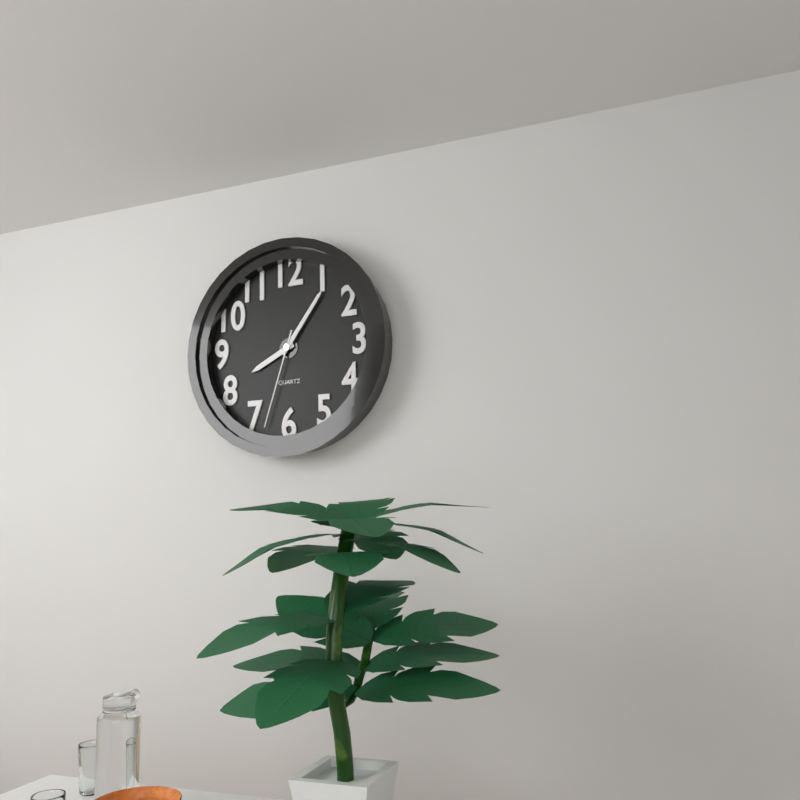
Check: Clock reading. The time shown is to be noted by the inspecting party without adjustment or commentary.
8:06:33
